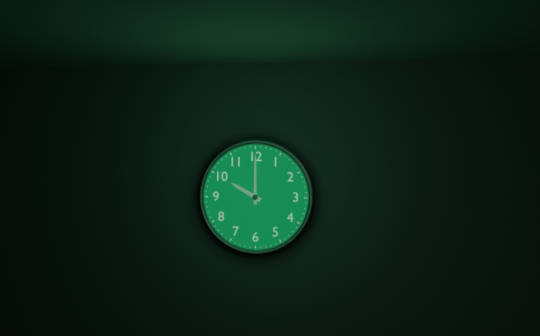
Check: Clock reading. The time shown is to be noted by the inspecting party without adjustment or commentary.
10:00
